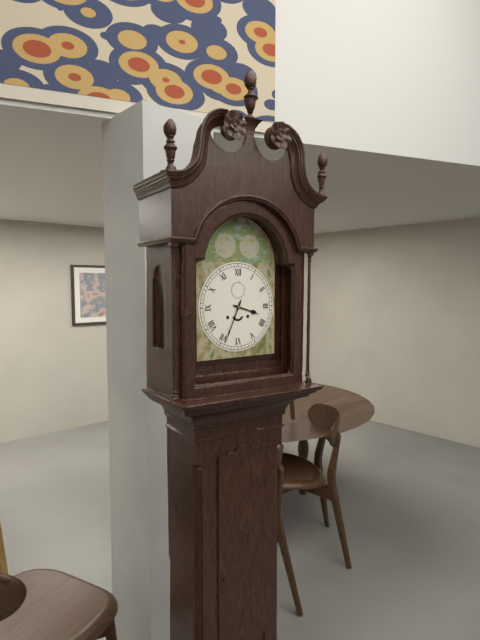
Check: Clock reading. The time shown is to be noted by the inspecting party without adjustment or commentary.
3:34
